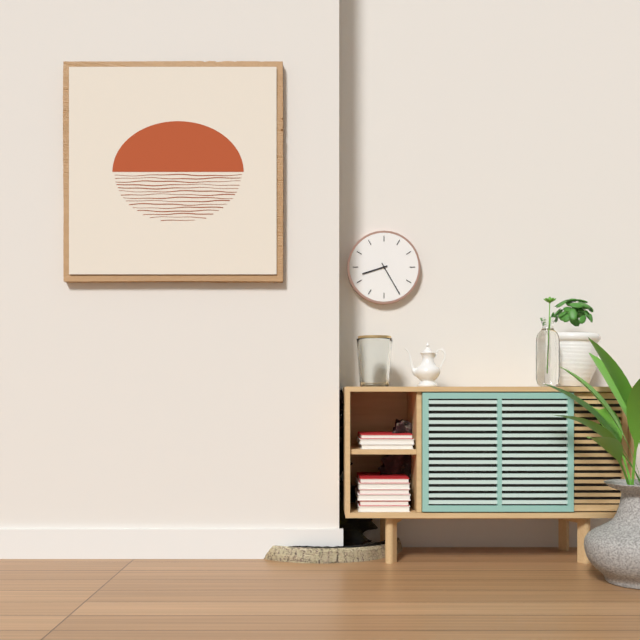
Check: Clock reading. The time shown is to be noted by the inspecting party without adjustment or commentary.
8:25
